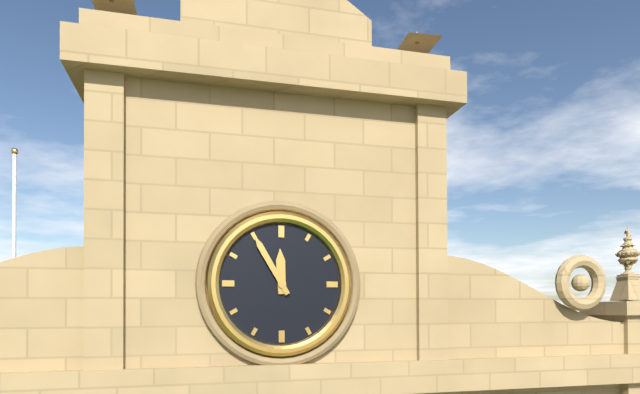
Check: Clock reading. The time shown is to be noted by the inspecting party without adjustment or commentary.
11:55
